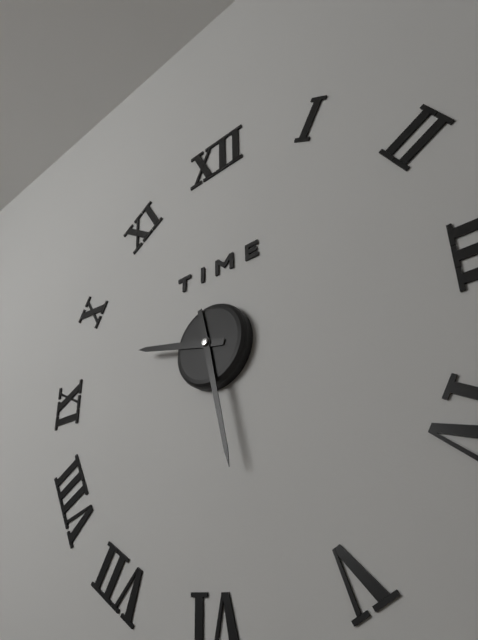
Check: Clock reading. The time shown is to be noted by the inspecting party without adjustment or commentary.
9:28
